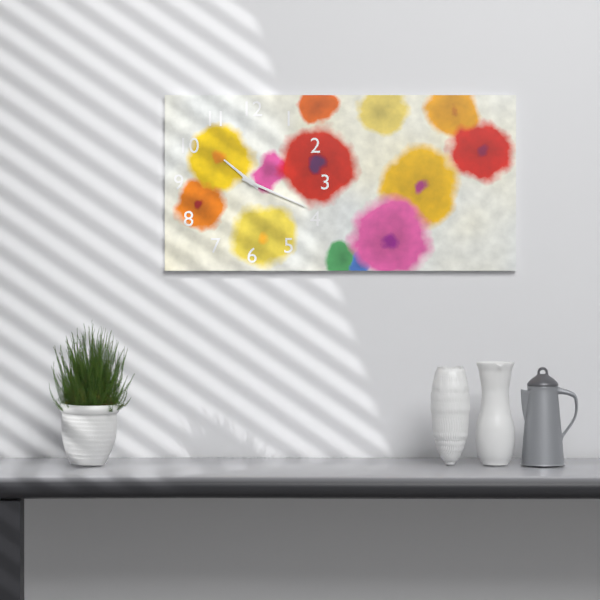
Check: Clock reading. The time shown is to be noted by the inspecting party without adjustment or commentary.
10:19
